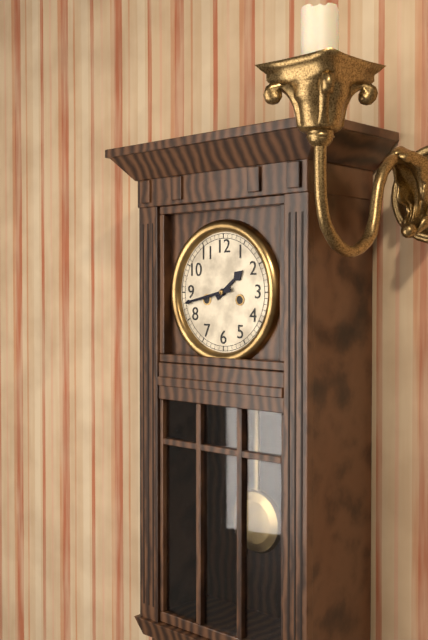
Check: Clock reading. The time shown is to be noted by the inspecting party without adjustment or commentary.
1:43
